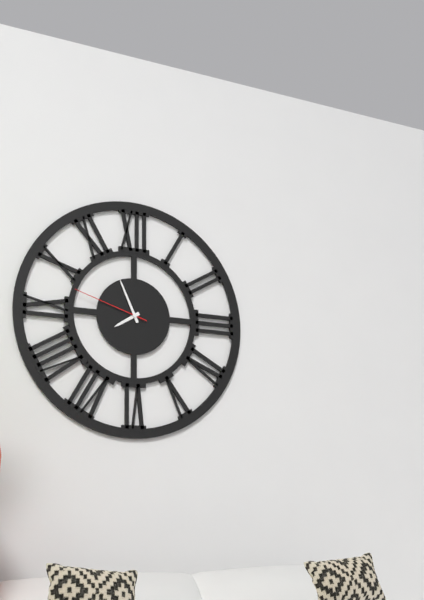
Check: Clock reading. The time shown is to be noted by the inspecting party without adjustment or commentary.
7:56:48
